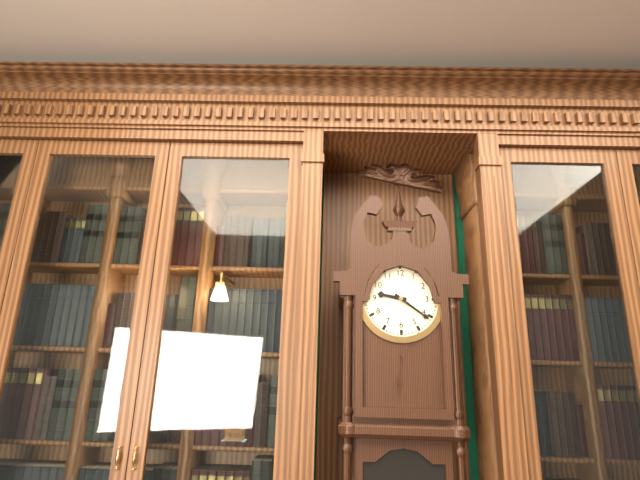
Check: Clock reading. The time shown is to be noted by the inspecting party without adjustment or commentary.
9:21
